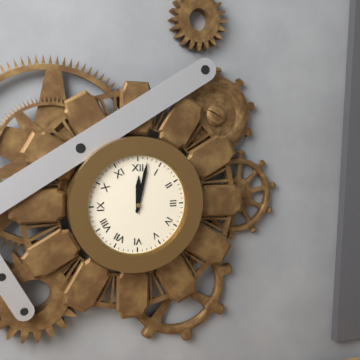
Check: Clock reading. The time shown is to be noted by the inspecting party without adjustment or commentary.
12:02
